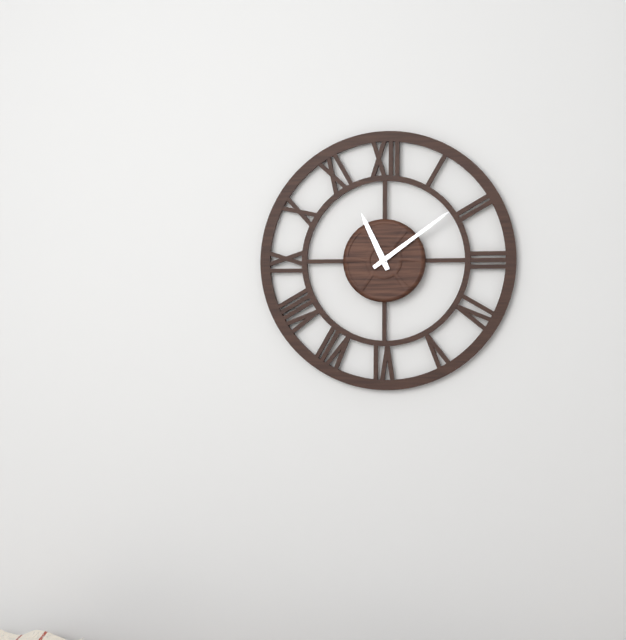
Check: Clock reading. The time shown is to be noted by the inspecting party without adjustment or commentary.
11:09
